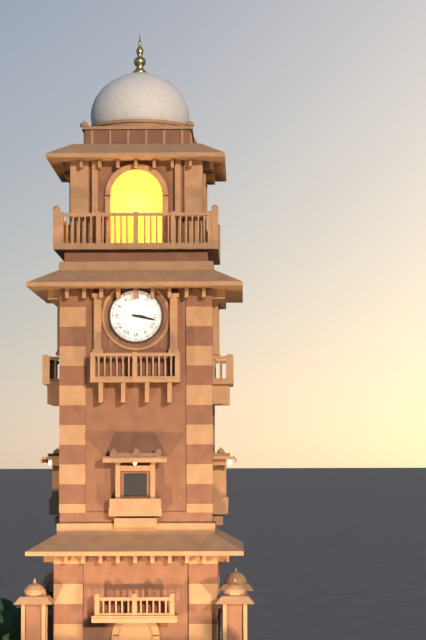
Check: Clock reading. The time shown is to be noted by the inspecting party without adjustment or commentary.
3:17
